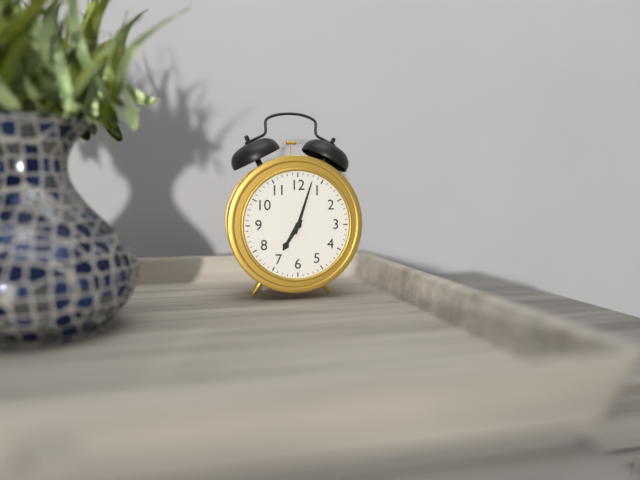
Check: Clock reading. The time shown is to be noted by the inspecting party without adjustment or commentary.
7:03
